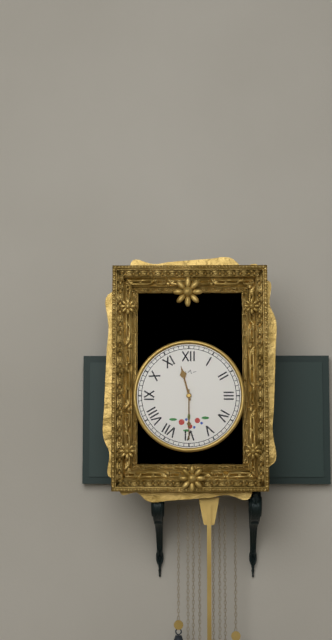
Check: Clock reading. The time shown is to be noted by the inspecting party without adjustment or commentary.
11:30
